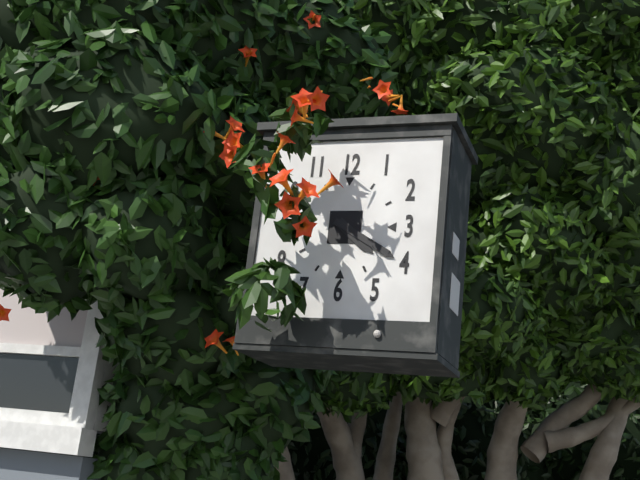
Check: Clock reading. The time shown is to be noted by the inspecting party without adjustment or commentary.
4:20
